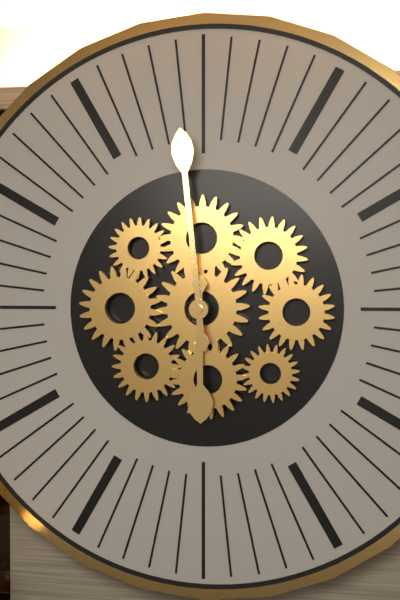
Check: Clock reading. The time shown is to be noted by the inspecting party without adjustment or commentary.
5:59
